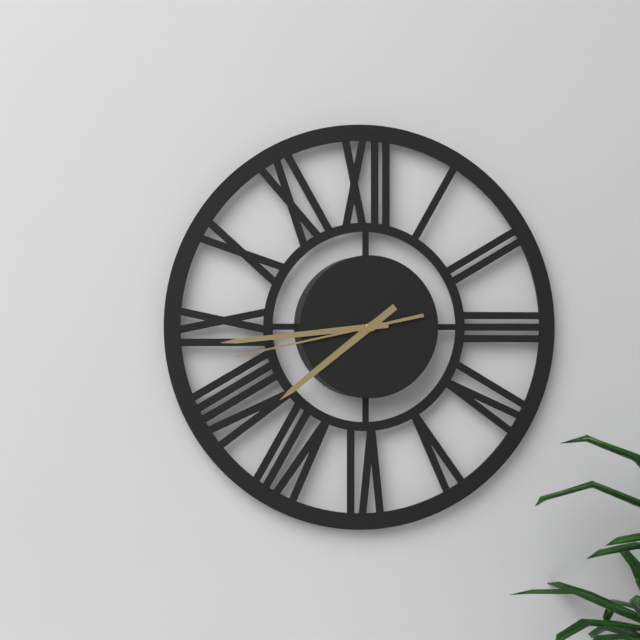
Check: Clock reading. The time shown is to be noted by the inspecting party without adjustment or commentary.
7:44:43
